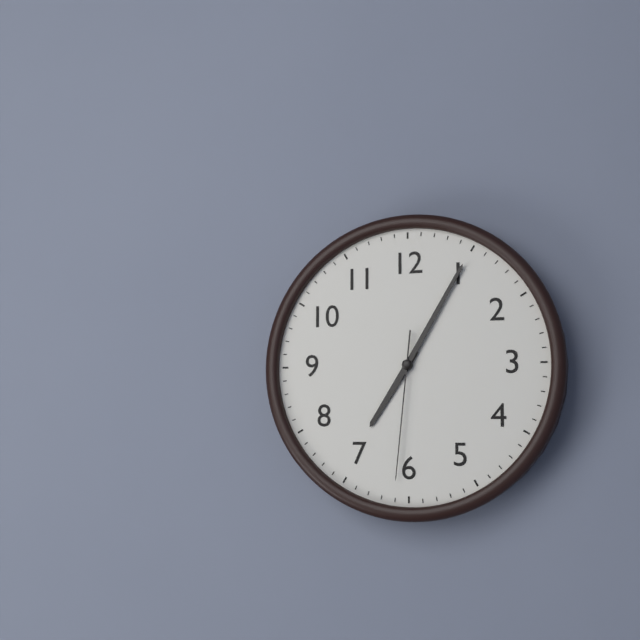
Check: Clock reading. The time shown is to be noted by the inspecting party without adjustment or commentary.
7:05:31
